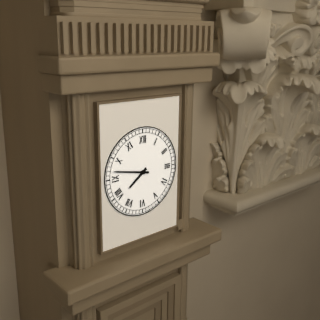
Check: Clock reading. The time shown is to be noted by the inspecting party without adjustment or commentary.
7:47
